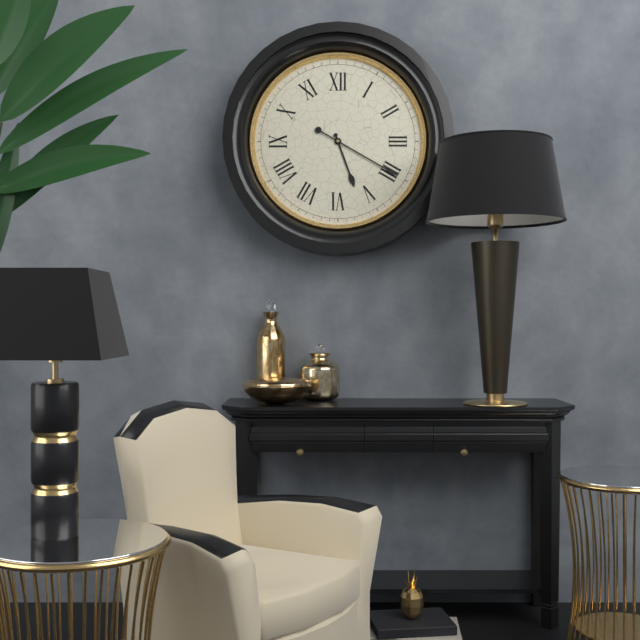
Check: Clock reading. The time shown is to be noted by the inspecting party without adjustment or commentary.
5:20
